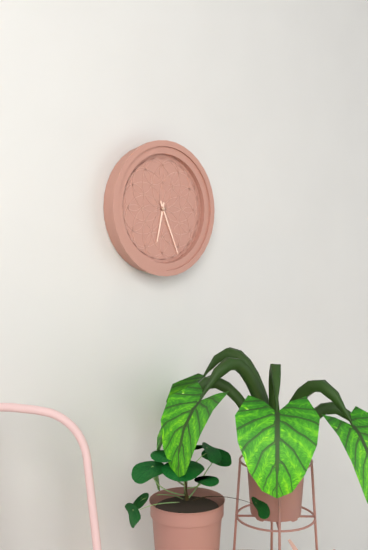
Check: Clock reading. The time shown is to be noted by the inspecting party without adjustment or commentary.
6:26
